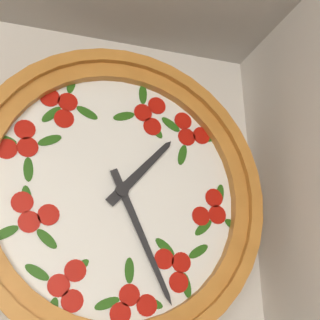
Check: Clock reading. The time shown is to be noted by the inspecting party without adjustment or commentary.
1:26
